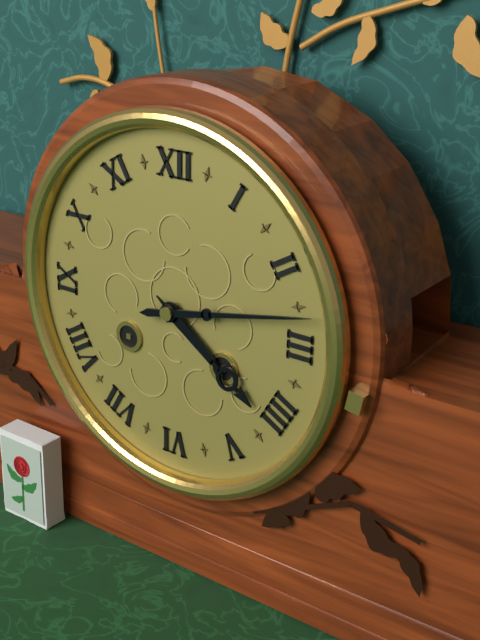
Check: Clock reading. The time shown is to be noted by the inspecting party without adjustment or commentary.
4:13
